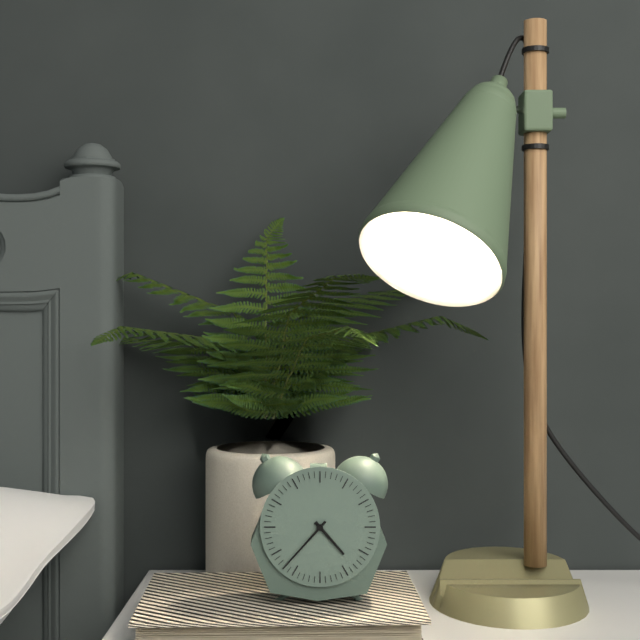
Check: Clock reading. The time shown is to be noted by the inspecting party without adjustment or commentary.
4:37
